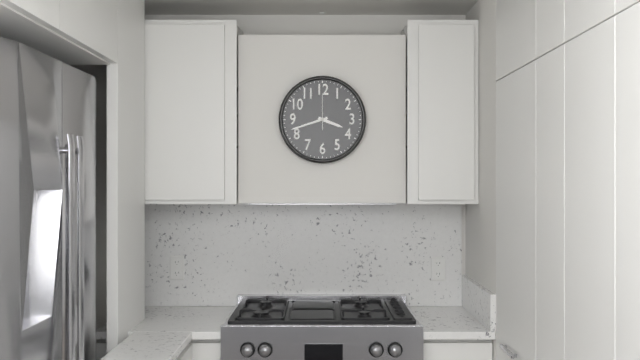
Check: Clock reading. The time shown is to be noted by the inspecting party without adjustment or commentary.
3:42
